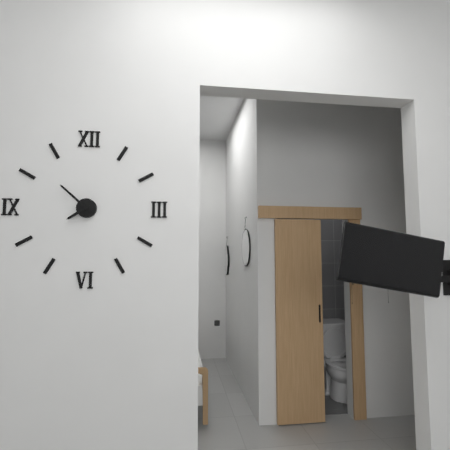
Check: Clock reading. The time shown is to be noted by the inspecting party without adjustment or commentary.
7:52
